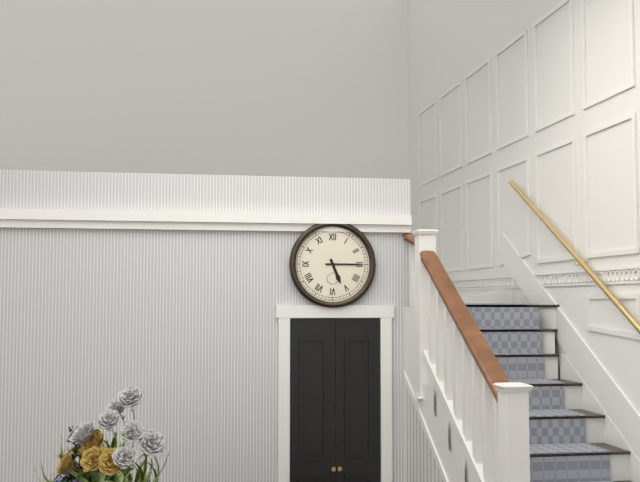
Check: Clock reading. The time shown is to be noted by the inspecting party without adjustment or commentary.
5:15
